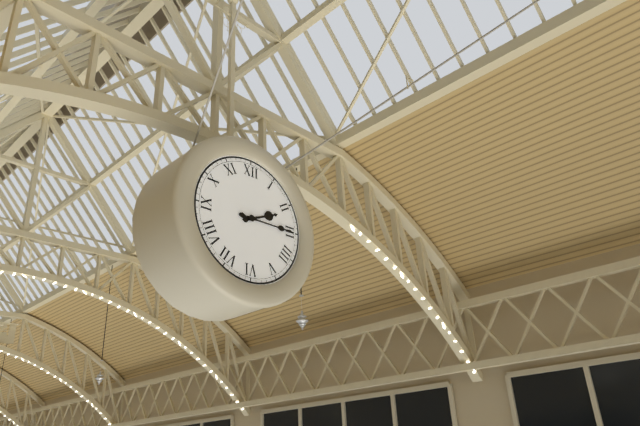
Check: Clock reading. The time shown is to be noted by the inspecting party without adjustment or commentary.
2:15
